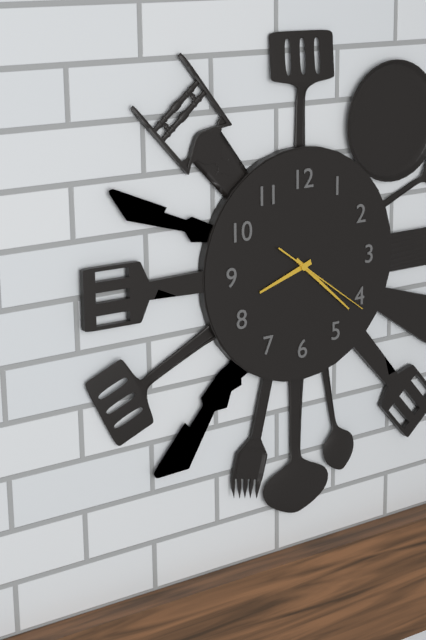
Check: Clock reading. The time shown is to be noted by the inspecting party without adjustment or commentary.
8:22:21
